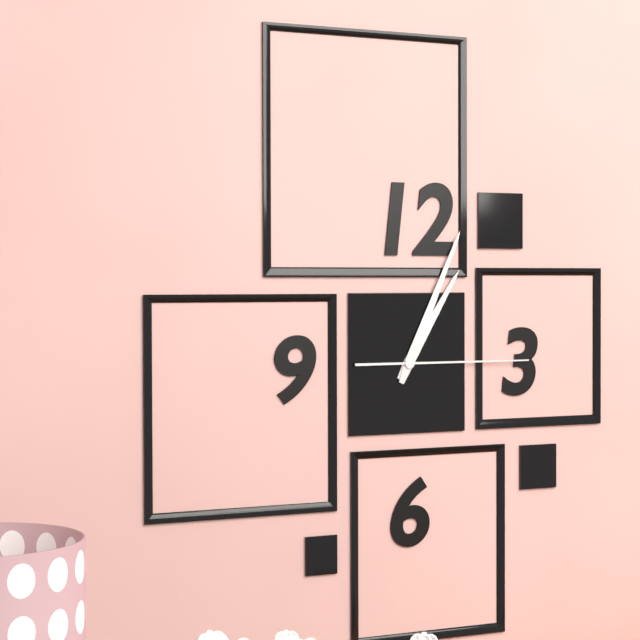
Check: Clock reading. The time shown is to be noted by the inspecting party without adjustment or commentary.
1:04:15
